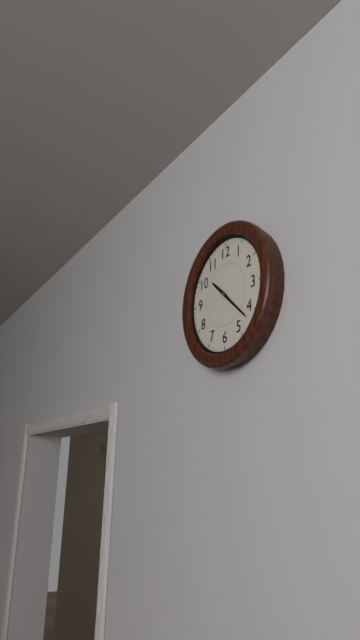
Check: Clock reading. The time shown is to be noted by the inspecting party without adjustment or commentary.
10:22
